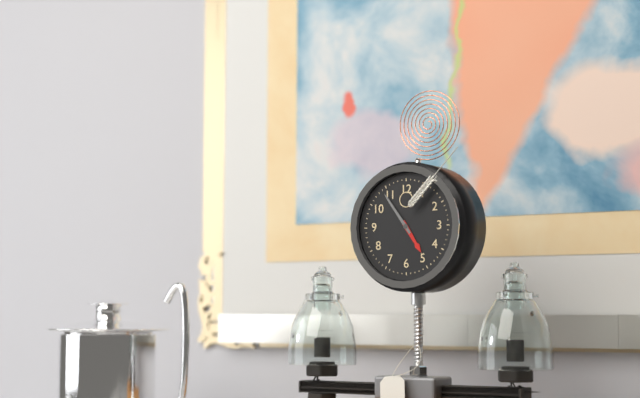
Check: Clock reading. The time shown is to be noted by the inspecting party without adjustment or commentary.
4:54
